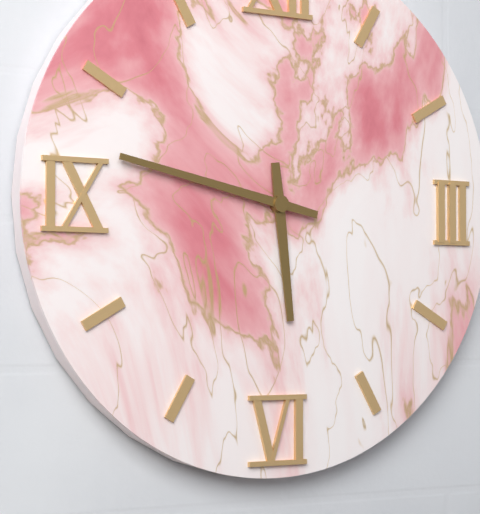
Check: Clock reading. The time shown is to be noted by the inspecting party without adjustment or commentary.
5:47
